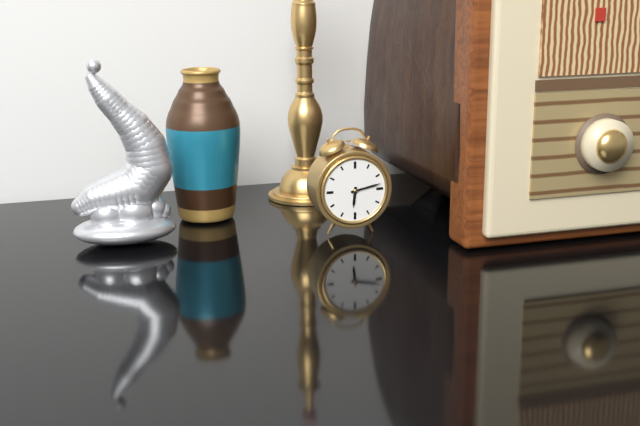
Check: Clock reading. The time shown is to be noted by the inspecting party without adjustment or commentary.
6:13
